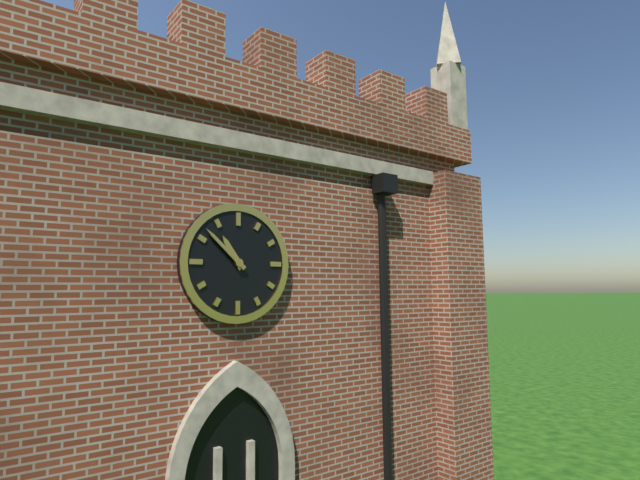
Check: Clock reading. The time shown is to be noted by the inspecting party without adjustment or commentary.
10:52
